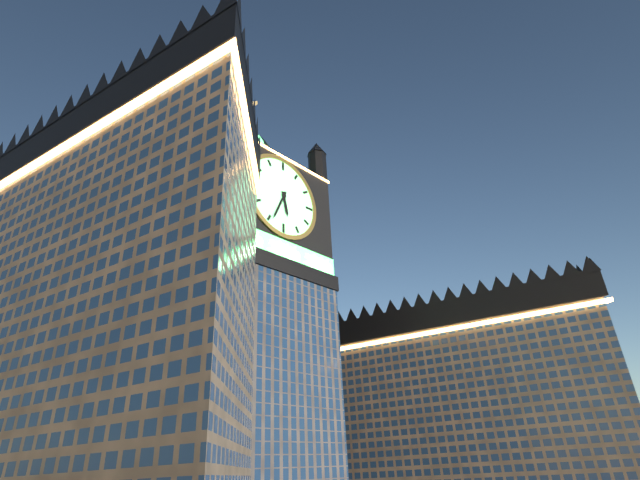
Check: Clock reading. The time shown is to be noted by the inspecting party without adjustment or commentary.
5:34
